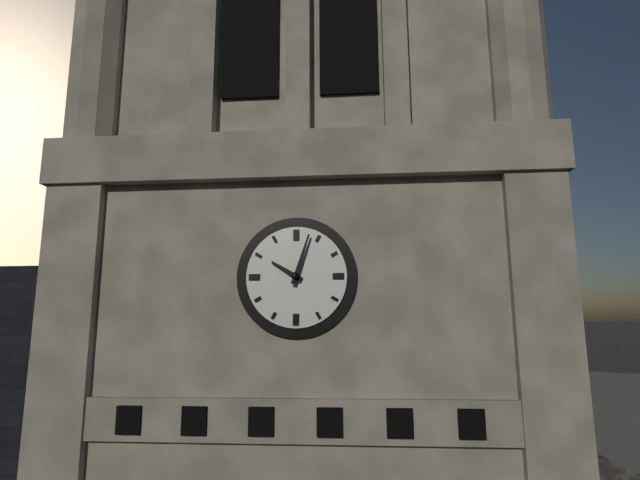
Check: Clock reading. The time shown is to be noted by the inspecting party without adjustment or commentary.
10:03
